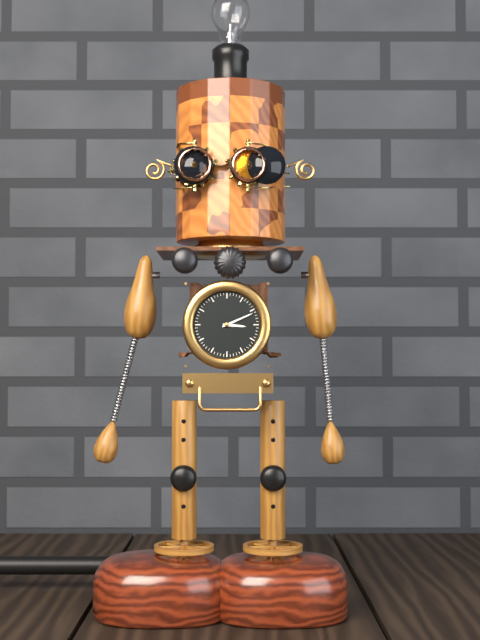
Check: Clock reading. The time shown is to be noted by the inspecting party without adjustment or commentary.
3:11
